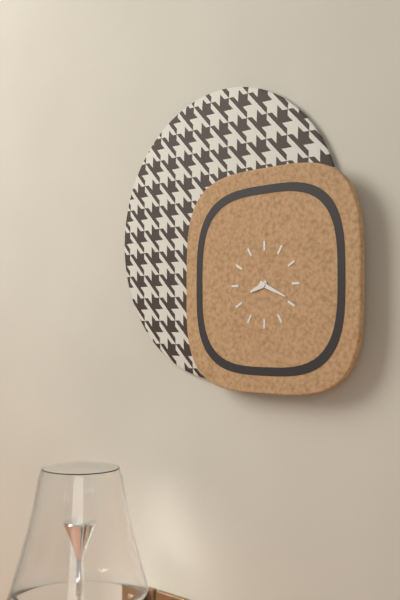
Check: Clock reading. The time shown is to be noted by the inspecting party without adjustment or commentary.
8:19
